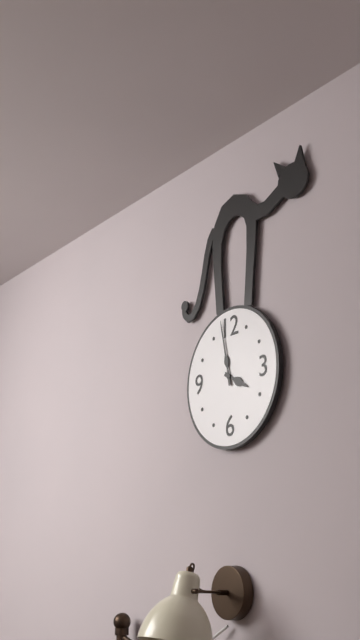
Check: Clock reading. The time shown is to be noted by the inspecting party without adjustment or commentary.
3:58
